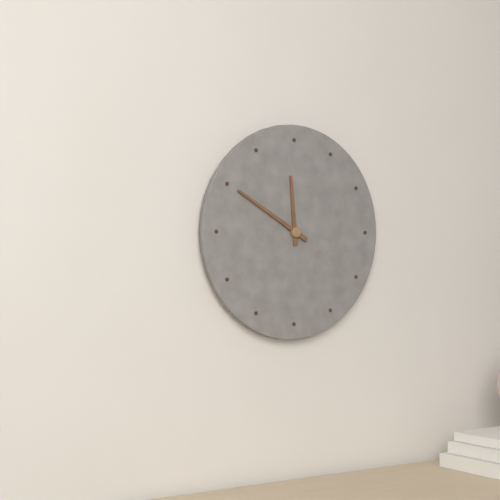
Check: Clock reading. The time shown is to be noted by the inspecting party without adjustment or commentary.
11:50
